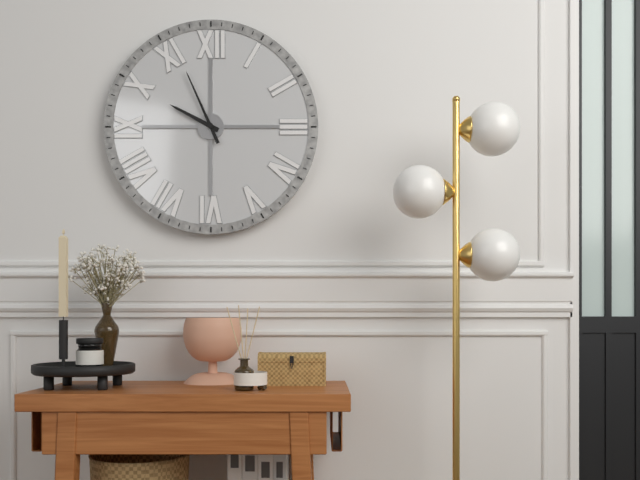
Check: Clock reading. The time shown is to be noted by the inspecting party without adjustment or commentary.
9:56
